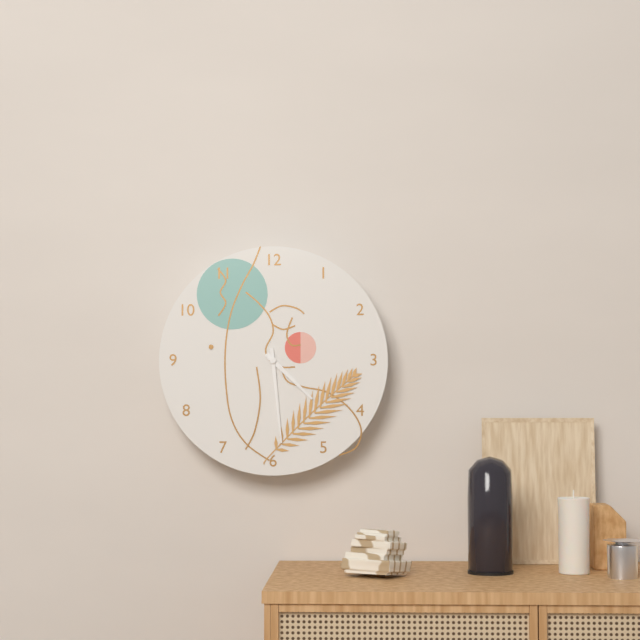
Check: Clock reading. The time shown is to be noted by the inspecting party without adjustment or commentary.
4:29
